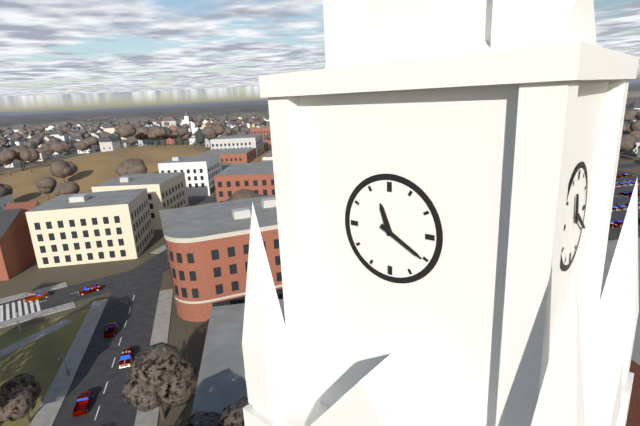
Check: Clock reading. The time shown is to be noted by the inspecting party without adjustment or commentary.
11:20
